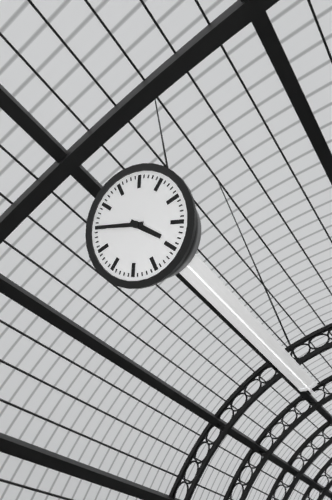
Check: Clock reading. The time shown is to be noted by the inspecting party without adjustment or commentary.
4:50
